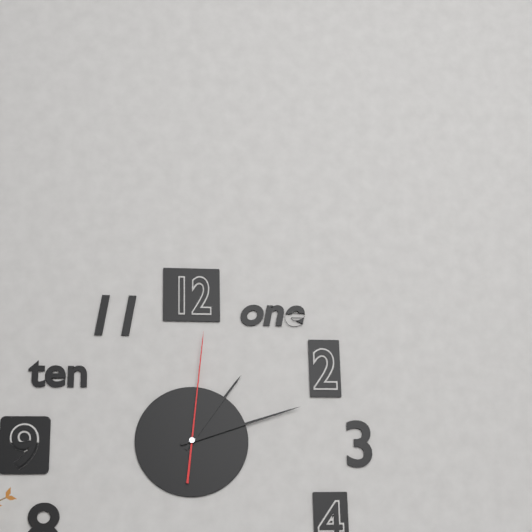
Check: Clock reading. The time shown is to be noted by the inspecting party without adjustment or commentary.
1:12:01
